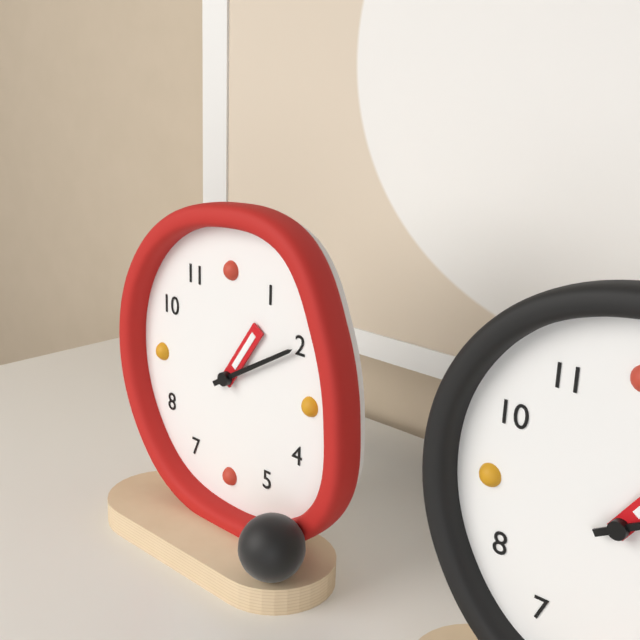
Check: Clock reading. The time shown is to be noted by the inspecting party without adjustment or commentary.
1:10
